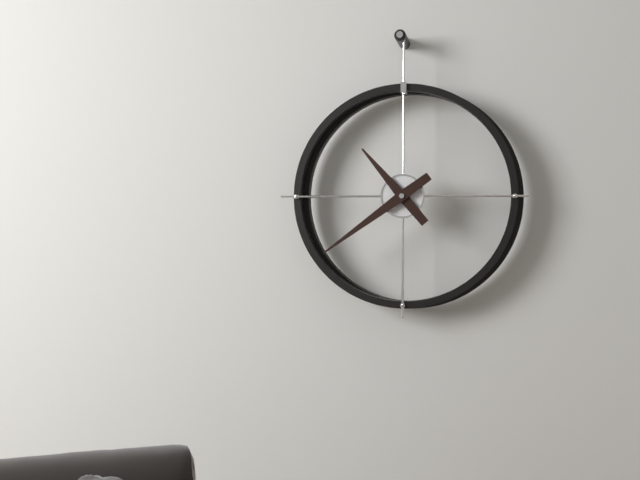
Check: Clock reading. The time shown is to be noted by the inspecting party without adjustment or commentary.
10:39
